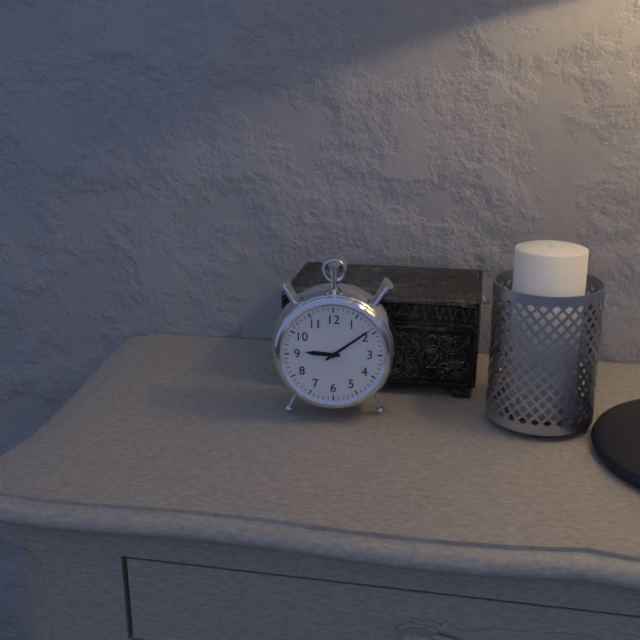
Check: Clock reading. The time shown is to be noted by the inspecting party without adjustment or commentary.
9:09
